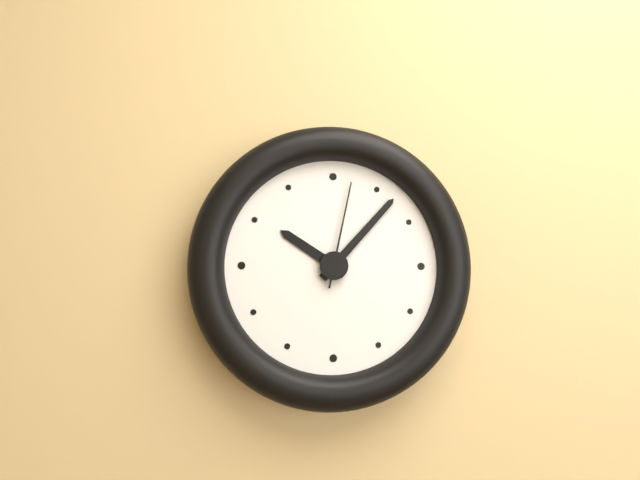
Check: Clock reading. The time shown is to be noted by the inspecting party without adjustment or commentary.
10:07:02
